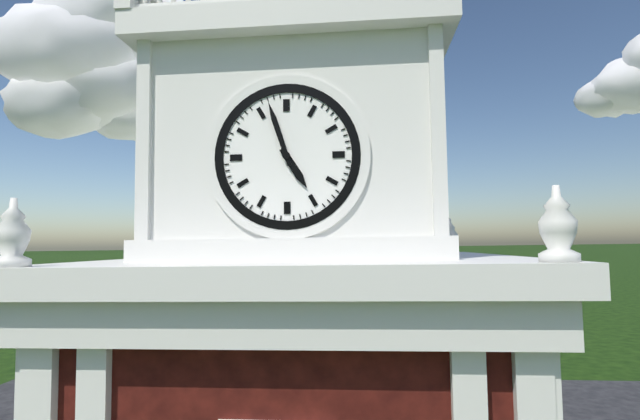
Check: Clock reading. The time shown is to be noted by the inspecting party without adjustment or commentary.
4:57
